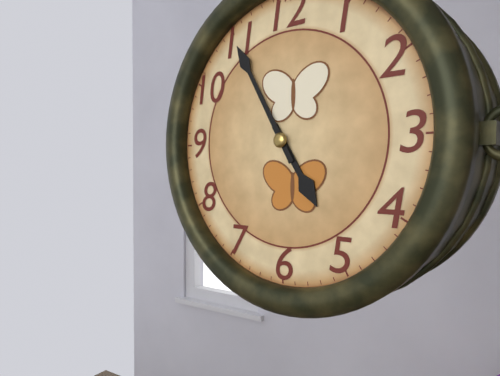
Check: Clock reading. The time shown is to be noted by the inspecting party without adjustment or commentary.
4:55
